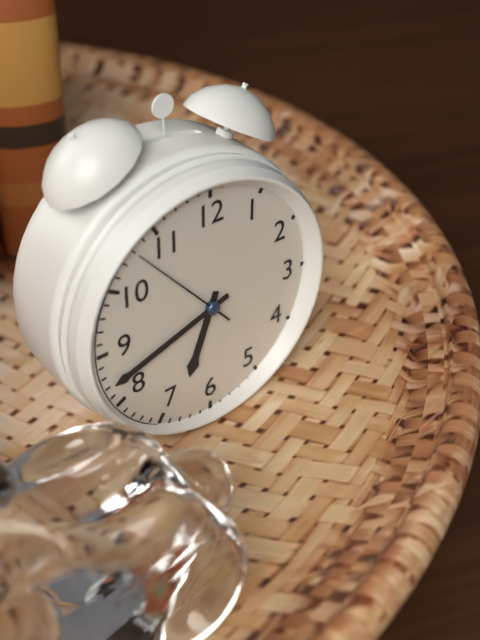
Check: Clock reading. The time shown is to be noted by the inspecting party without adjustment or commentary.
6:42:53
